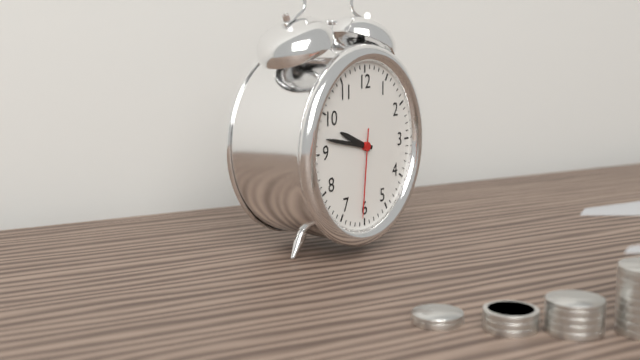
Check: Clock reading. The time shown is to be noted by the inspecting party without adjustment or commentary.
9:47:31
